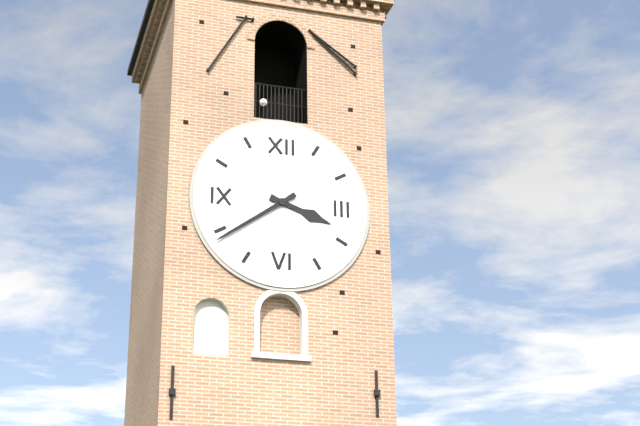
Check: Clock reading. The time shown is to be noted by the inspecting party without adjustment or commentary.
3:39
